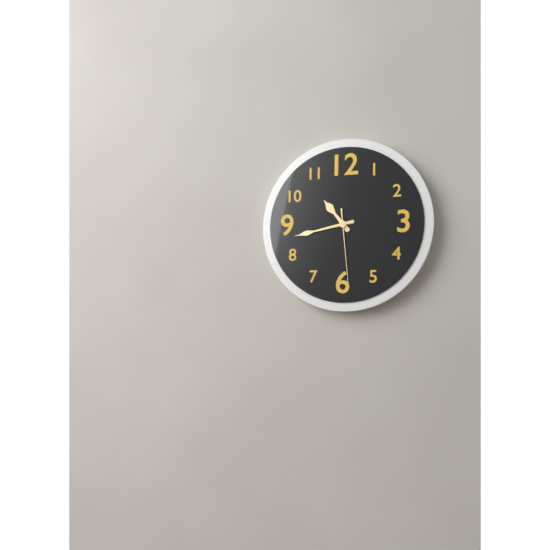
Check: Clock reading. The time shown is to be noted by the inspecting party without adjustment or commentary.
10:43:29
